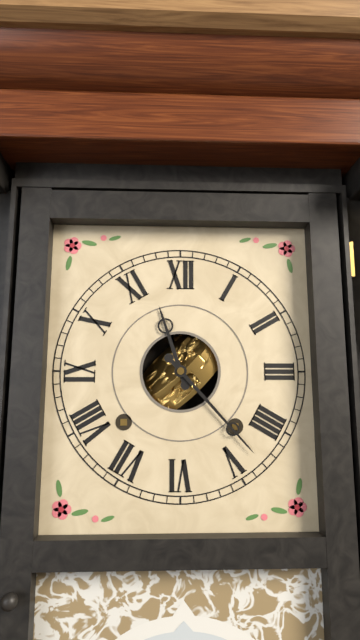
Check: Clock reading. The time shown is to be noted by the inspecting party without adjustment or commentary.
11:23
